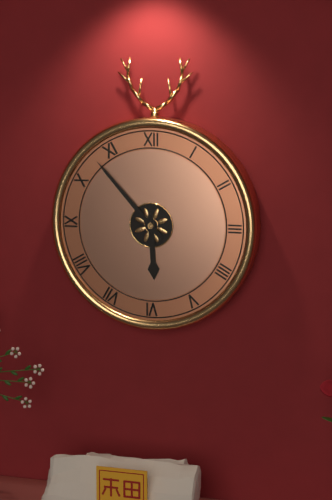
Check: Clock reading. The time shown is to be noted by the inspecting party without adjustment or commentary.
5:53
